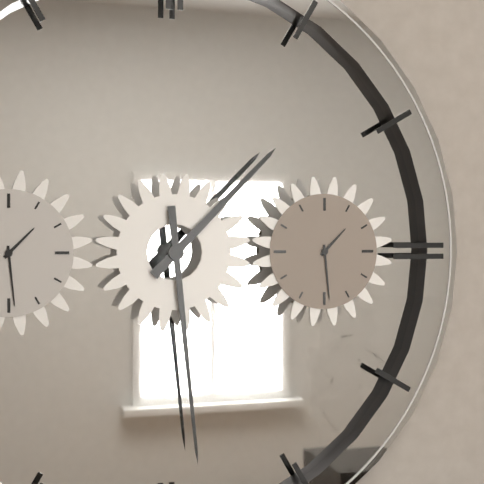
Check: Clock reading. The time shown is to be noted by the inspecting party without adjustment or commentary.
1:29
